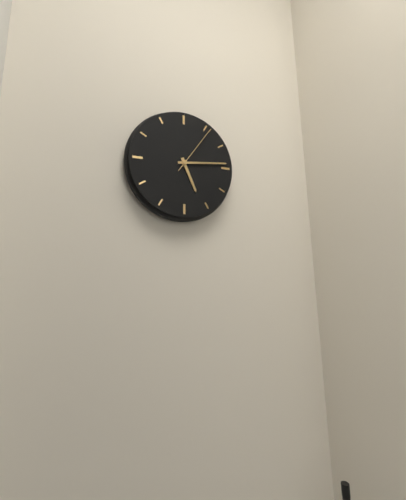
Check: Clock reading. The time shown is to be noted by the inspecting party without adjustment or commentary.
5:14:06
